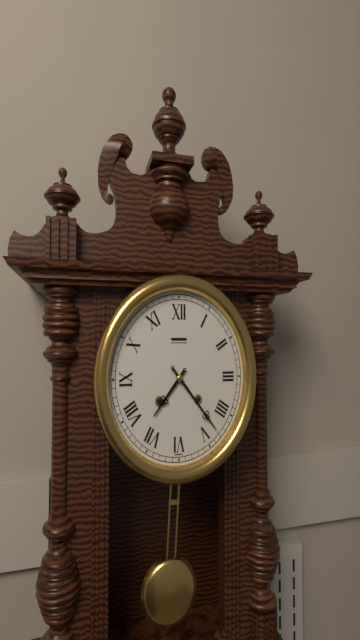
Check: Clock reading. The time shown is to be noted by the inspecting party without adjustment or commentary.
7:23
